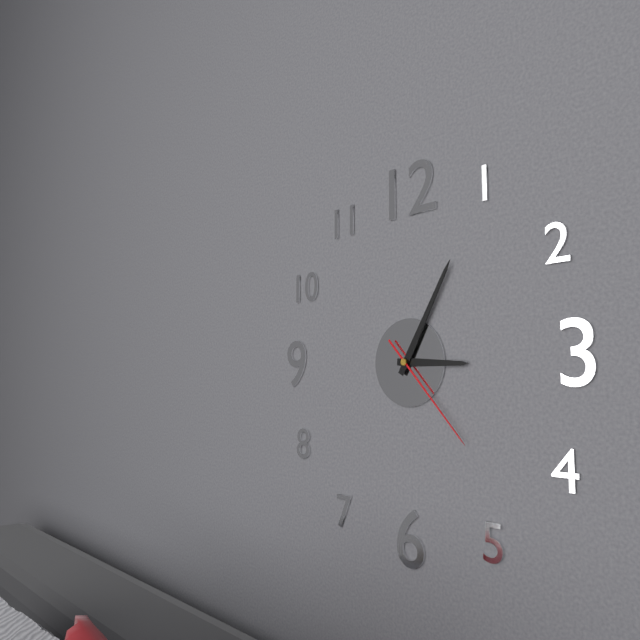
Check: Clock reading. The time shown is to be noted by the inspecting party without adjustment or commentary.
3:05:23
